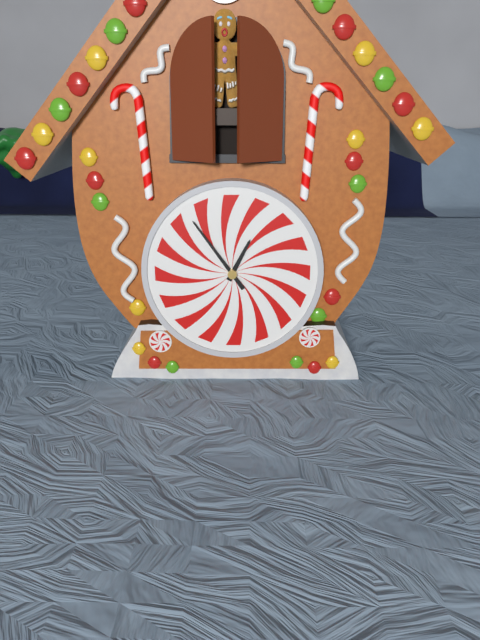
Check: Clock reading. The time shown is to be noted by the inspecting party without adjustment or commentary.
12:54
